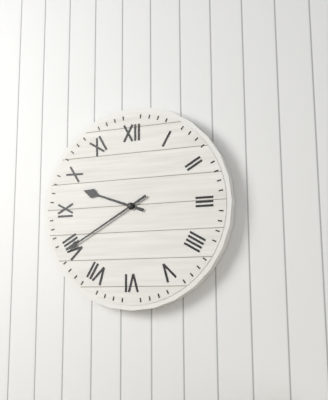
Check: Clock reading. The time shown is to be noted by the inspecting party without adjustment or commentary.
9:40
